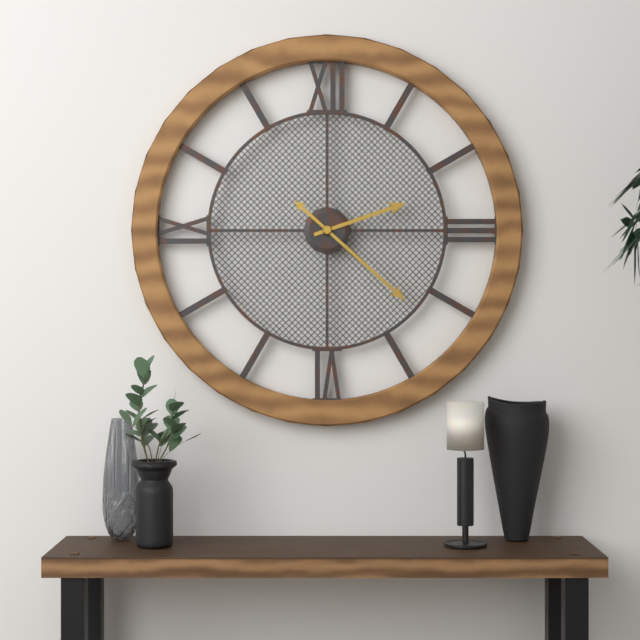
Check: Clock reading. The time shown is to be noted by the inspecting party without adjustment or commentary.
2:22
